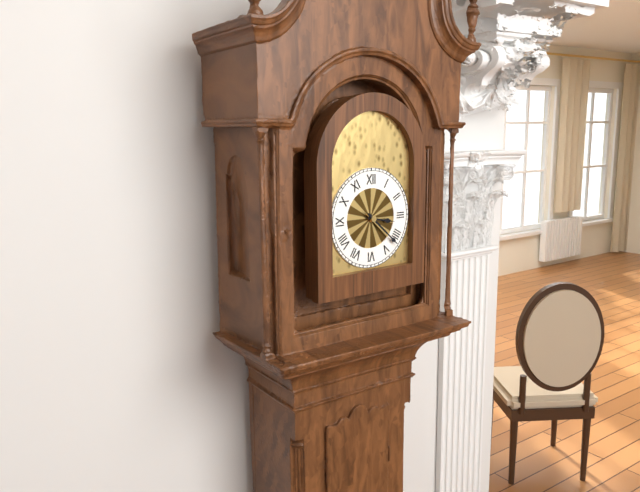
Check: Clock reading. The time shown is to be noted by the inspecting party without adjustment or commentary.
3:22
